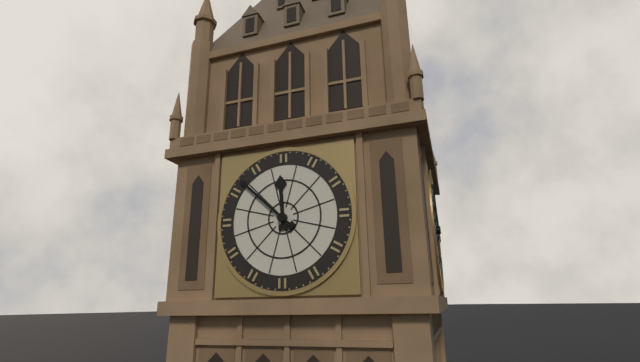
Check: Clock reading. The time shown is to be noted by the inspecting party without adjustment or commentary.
11:52
